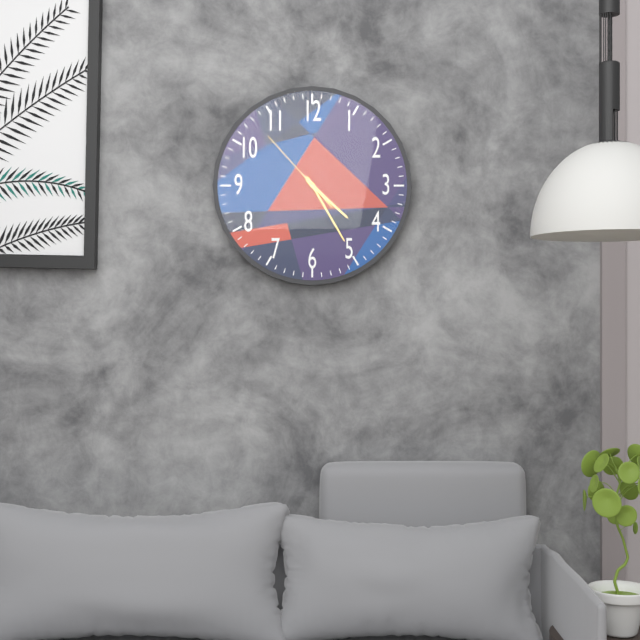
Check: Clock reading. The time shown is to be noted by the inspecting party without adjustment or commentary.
4:25:53
